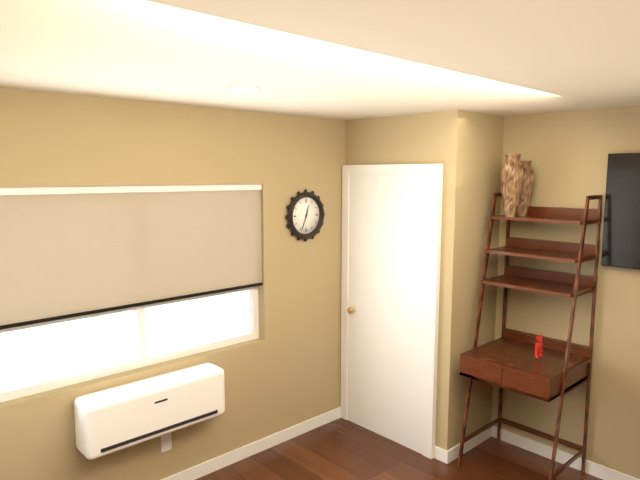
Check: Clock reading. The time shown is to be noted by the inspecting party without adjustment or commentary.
12:34
